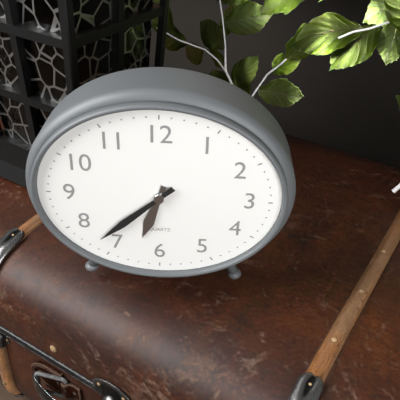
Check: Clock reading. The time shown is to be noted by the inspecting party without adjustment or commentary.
6:38
